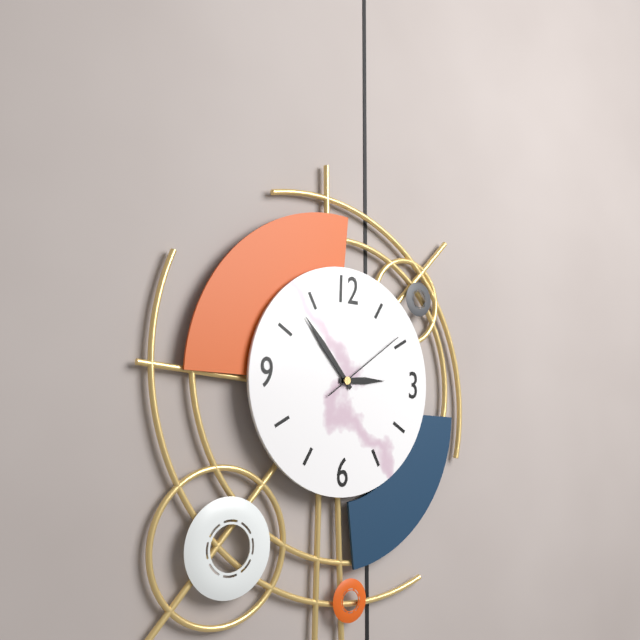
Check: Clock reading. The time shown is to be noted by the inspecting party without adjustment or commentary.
2:53:09
